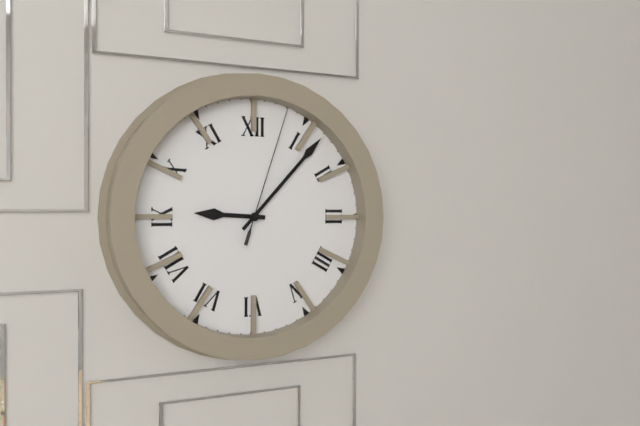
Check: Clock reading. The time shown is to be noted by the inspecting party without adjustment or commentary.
9:07:03
